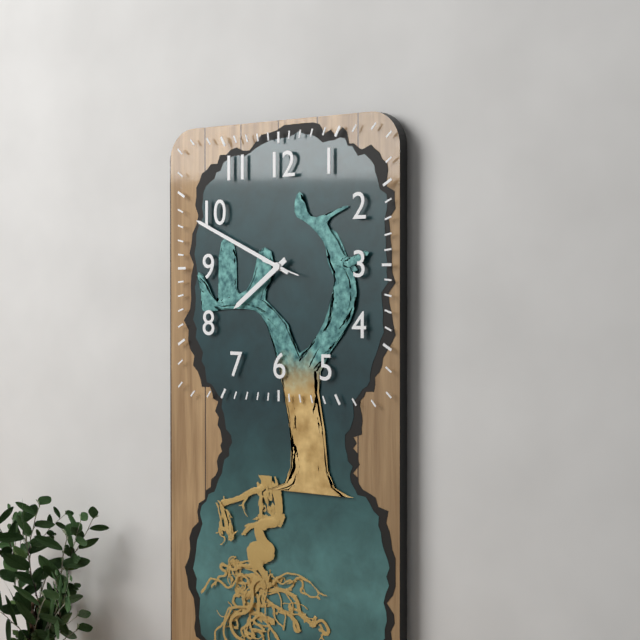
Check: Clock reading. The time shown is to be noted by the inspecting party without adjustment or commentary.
7:49
